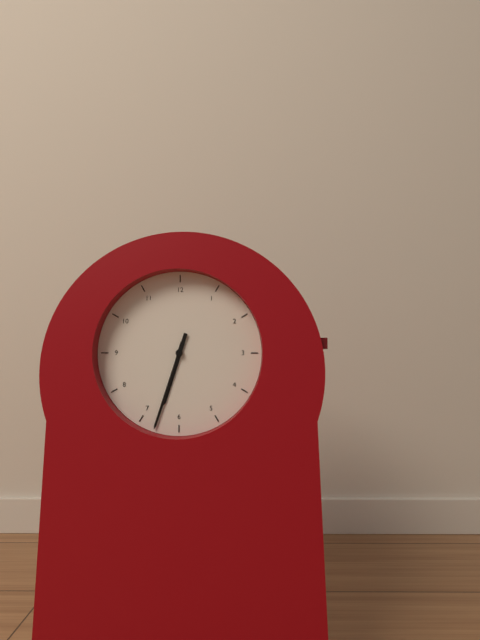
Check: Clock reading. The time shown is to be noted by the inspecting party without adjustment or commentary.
6:33
